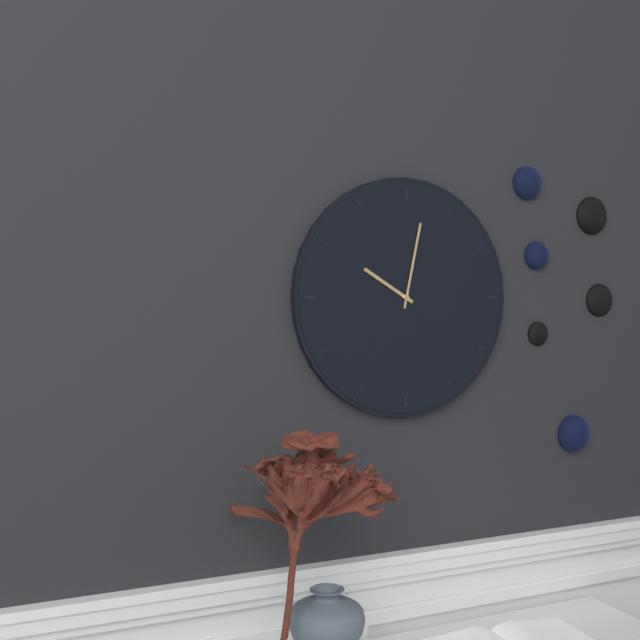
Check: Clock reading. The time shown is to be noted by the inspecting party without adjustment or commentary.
10:02
